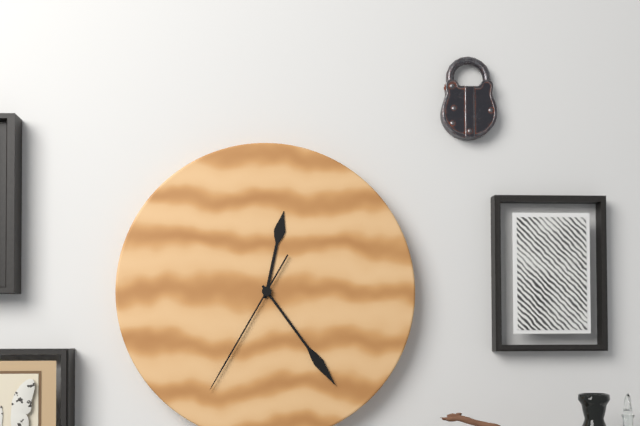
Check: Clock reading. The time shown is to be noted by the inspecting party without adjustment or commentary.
12:24:35
